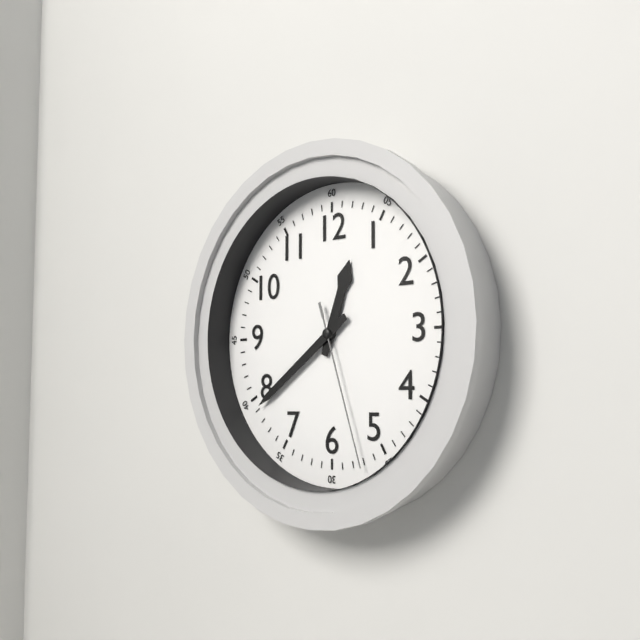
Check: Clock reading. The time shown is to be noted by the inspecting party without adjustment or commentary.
12:39:27
